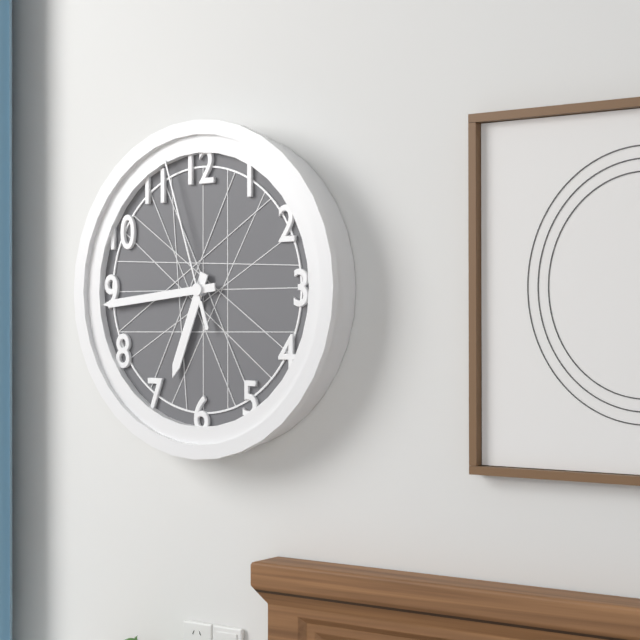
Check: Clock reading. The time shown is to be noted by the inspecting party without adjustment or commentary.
6:44:57
